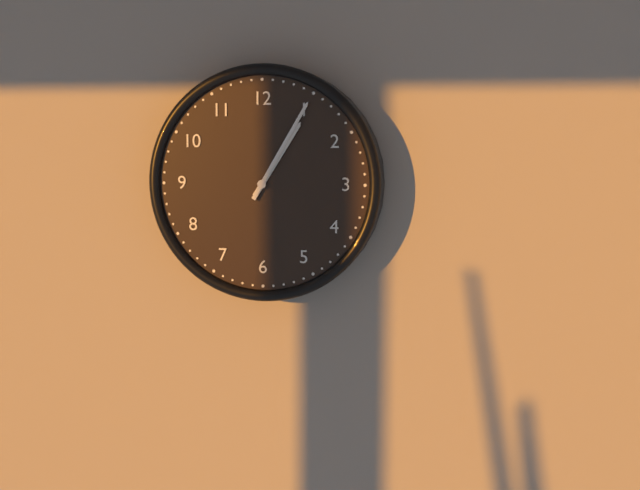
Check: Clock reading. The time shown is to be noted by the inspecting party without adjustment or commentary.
1:05
